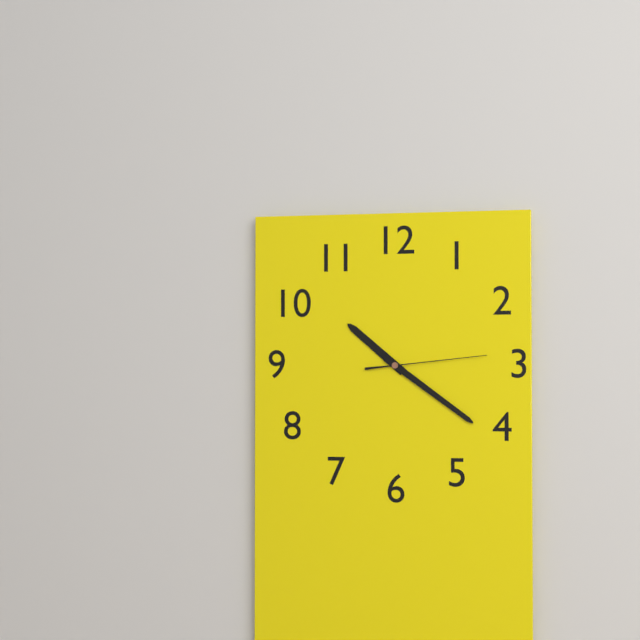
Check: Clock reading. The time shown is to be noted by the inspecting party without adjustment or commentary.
10:21:14
